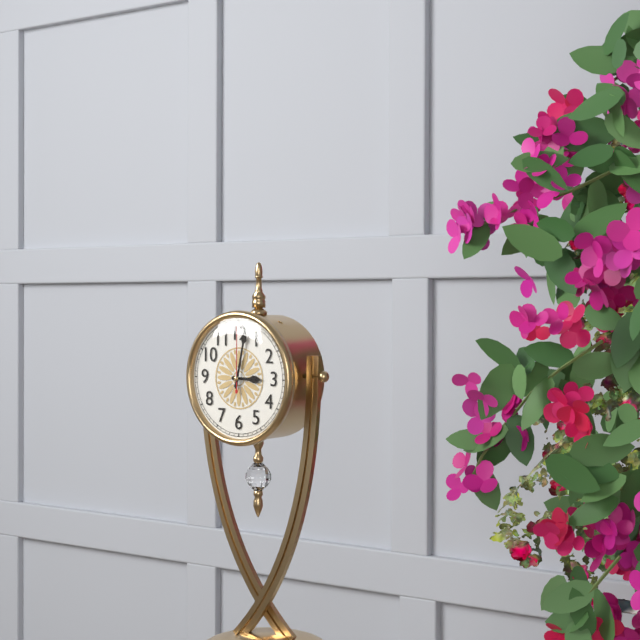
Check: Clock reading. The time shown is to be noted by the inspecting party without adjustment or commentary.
3:02:00
